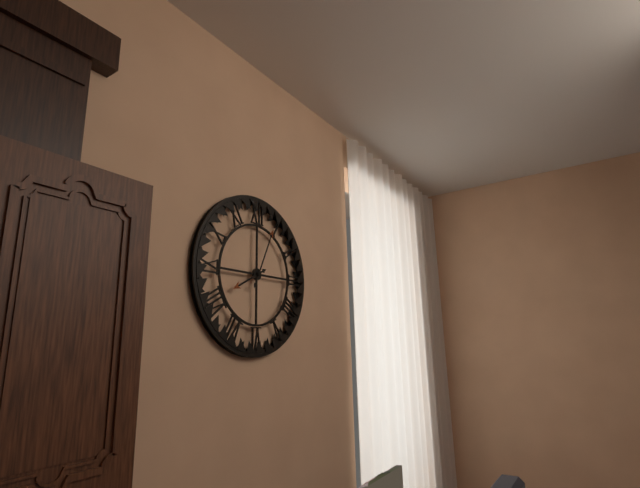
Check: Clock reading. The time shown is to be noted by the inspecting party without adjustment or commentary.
8:04
